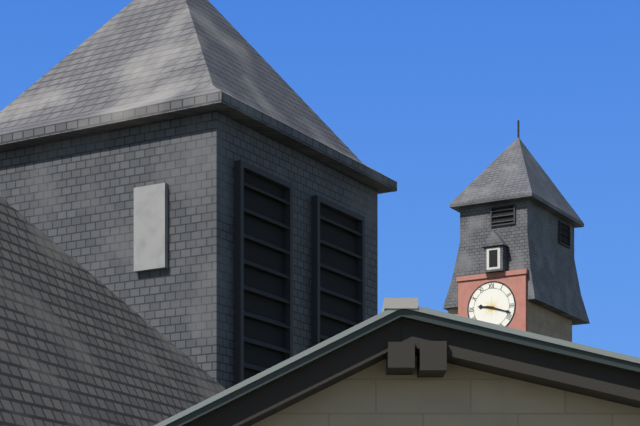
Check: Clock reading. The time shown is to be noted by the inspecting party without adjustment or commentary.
9:18
